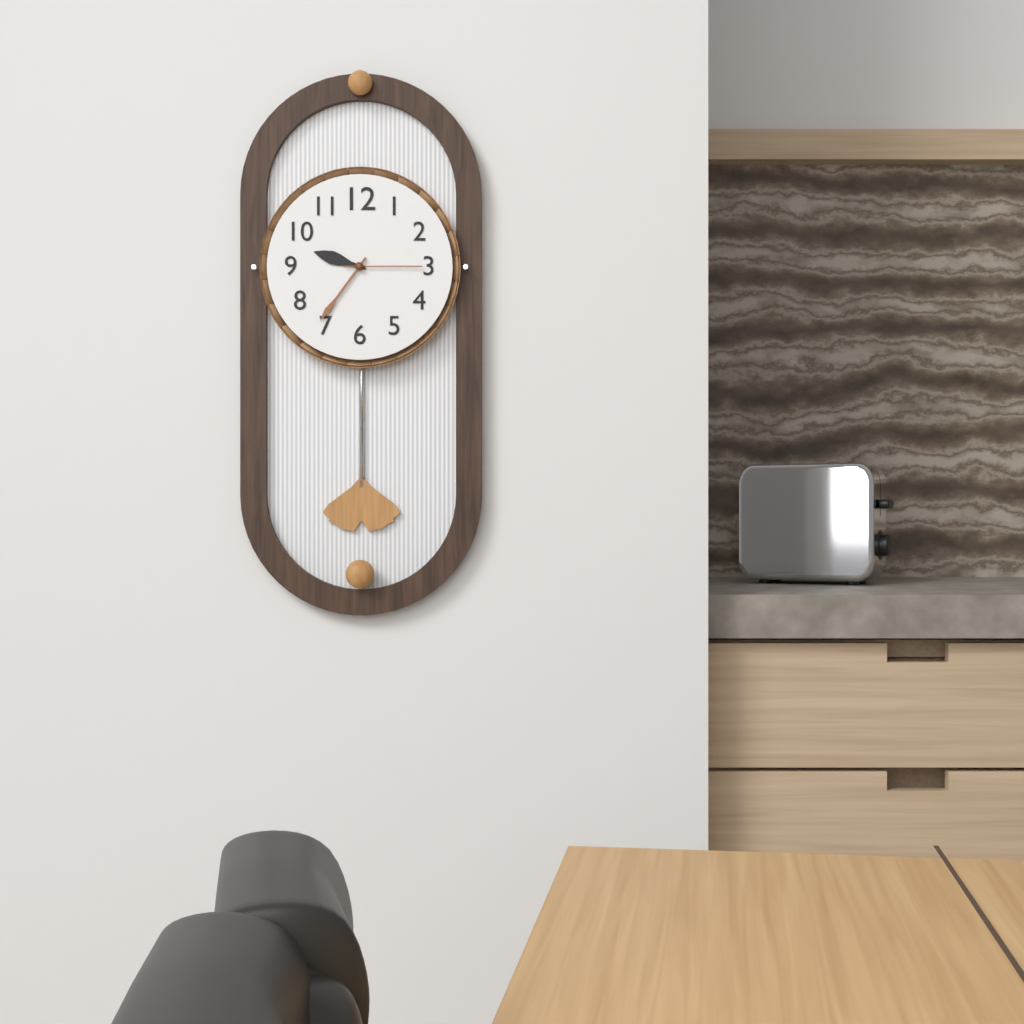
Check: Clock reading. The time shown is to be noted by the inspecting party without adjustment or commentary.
9:36:15
